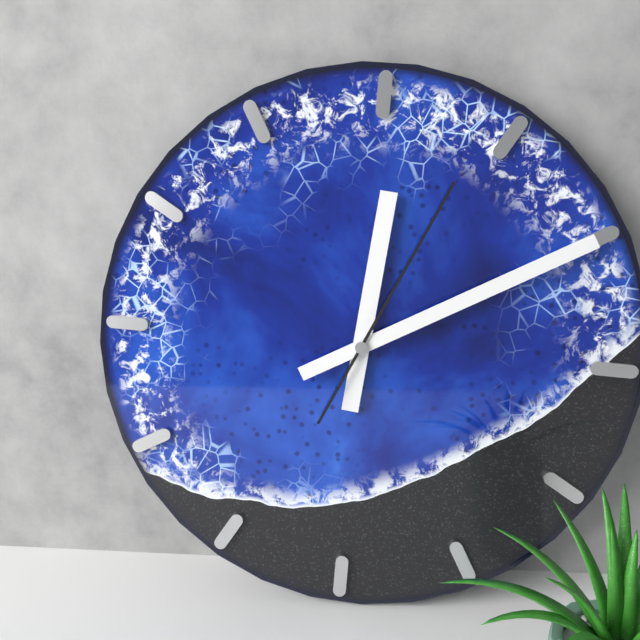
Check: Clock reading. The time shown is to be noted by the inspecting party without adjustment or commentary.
12:10:04
